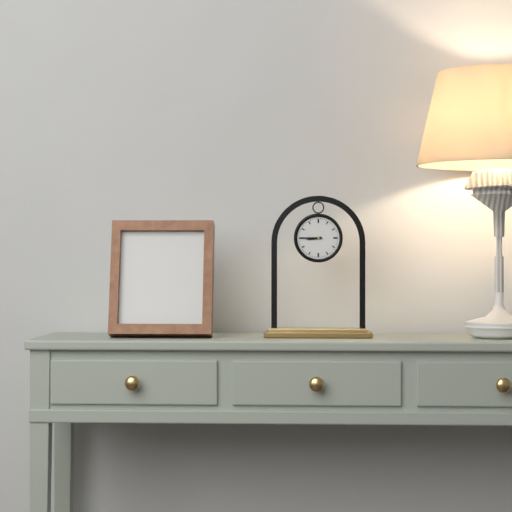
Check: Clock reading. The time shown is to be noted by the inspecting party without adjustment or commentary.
8:45
